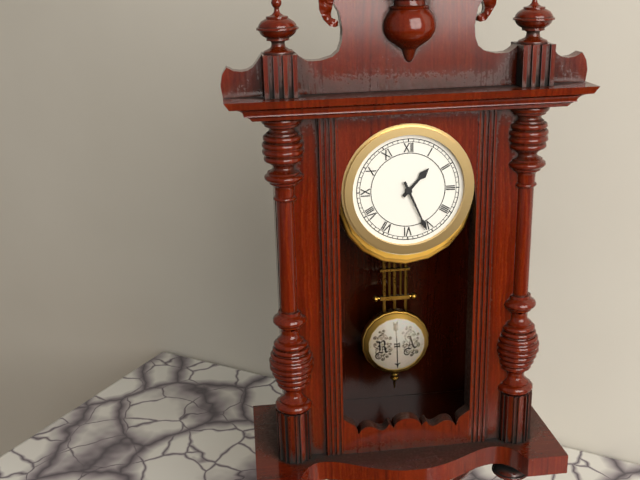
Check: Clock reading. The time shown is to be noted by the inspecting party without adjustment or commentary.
1:26
